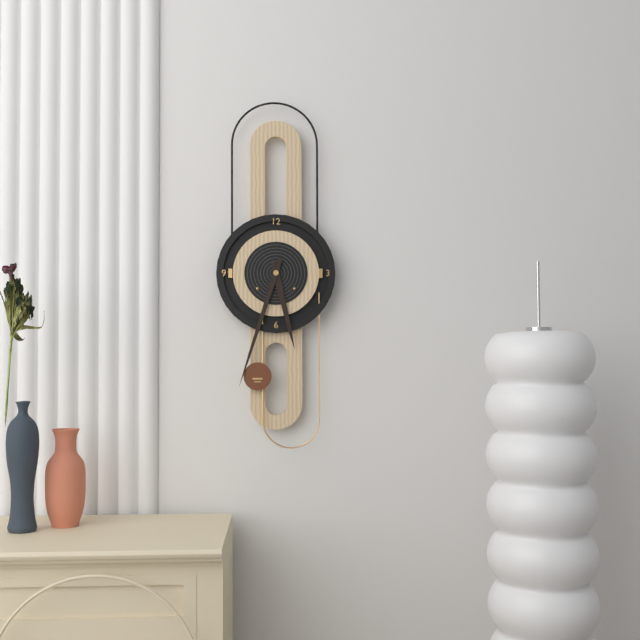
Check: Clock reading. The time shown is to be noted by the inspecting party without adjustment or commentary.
5:33
